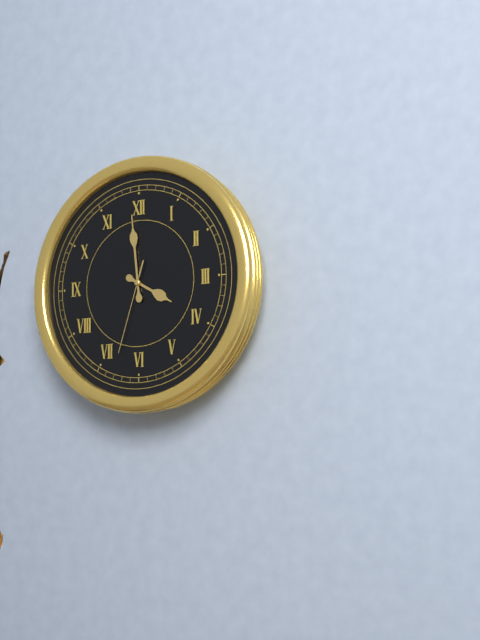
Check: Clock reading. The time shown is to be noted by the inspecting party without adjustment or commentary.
3:59:33
